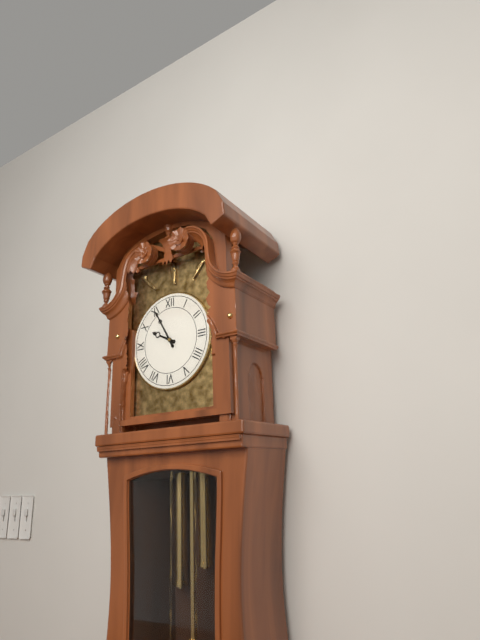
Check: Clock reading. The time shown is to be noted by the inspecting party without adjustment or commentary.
9:55
